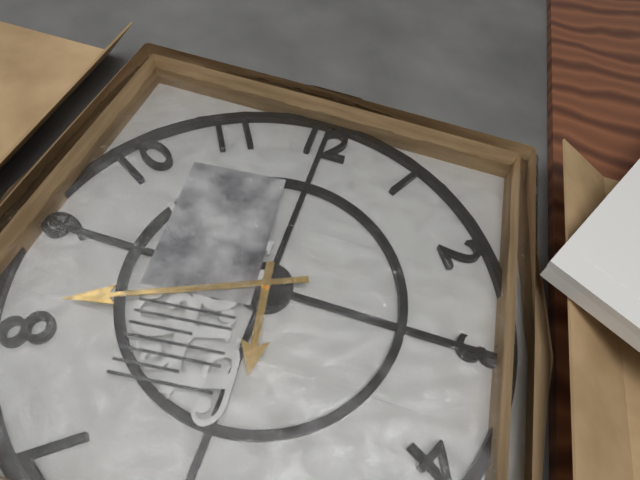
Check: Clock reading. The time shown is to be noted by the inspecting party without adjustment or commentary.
5:41
